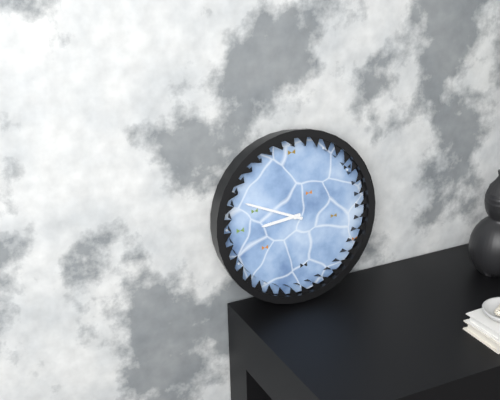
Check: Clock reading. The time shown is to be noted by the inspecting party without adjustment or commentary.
8:49
